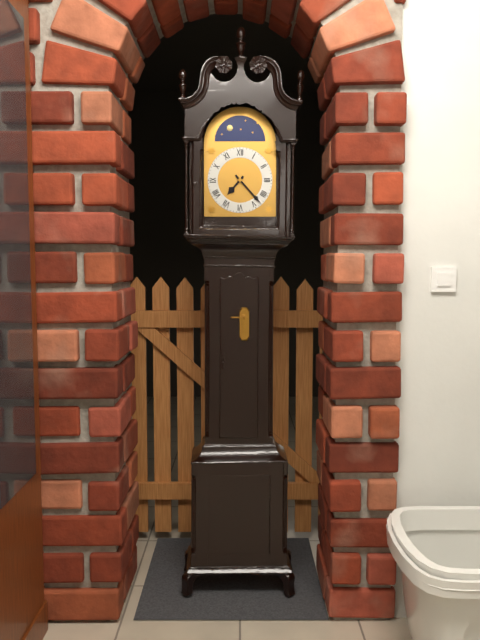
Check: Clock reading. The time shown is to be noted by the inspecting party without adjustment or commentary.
7:23
